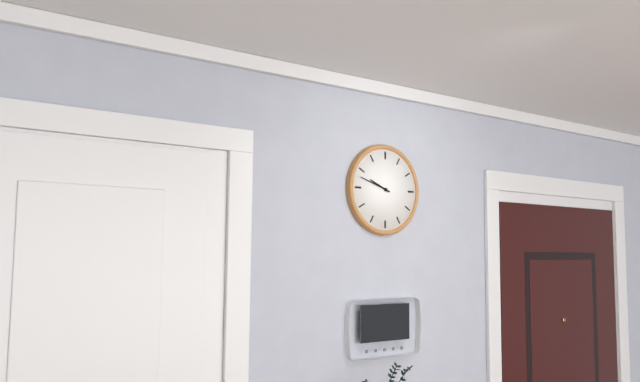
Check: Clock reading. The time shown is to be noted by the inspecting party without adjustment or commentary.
9:48
